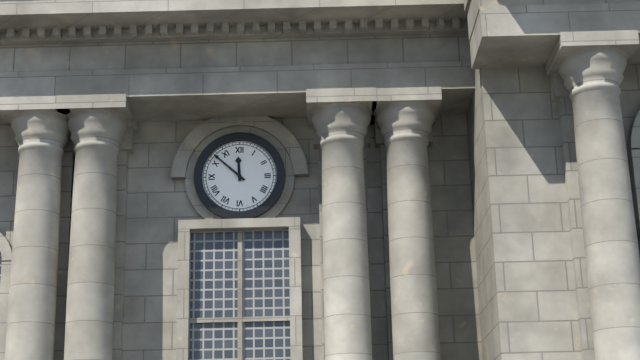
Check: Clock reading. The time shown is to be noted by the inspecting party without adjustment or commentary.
11:52
